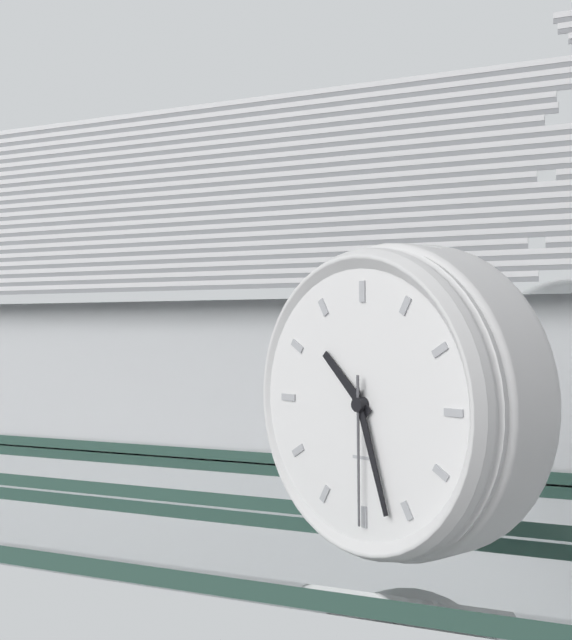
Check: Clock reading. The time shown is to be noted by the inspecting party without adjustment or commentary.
10:27:30
